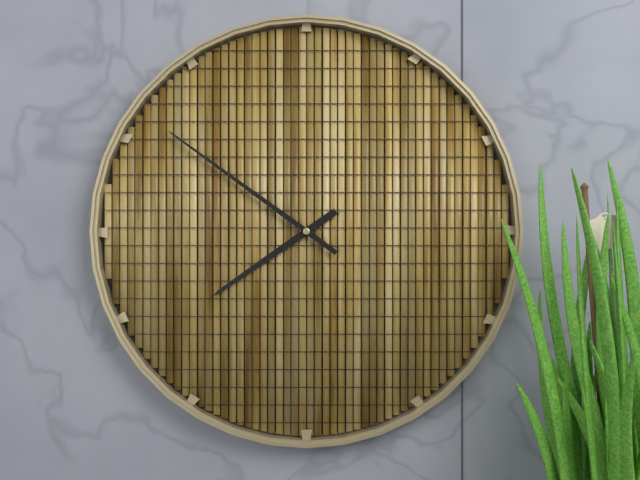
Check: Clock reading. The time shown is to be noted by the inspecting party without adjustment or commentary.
7:51
